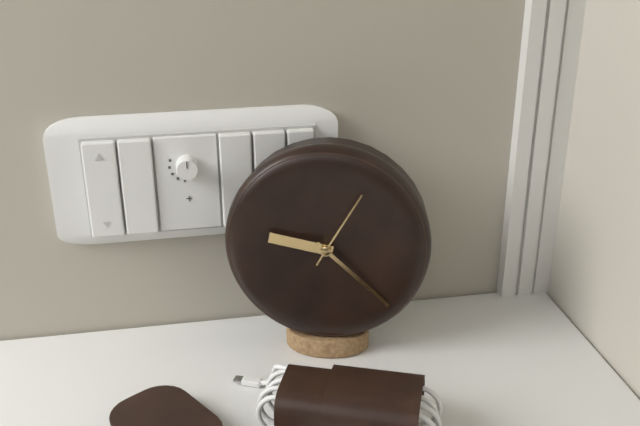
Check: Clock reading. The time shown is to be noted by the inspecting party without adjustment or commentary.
9:22:05
